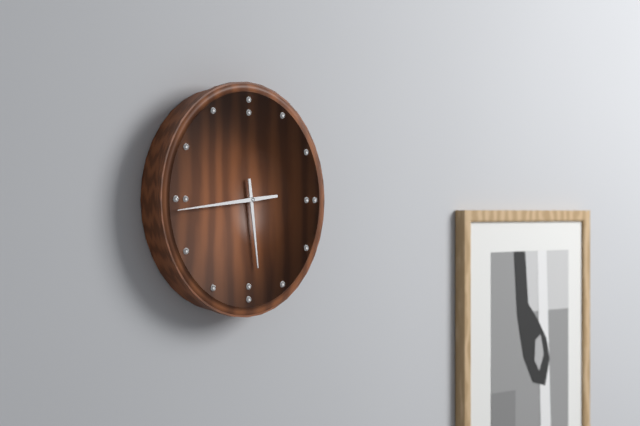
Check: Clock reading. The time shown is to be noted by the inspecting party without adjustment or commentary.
5:44
